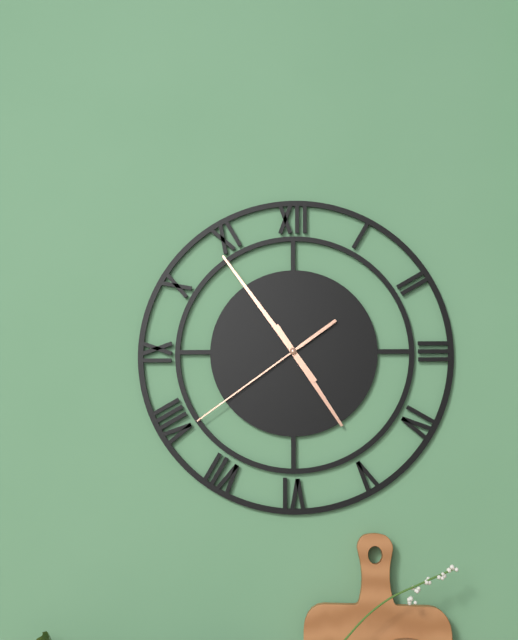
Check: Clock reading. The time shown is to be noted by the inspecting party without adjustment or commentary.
4:54:39
